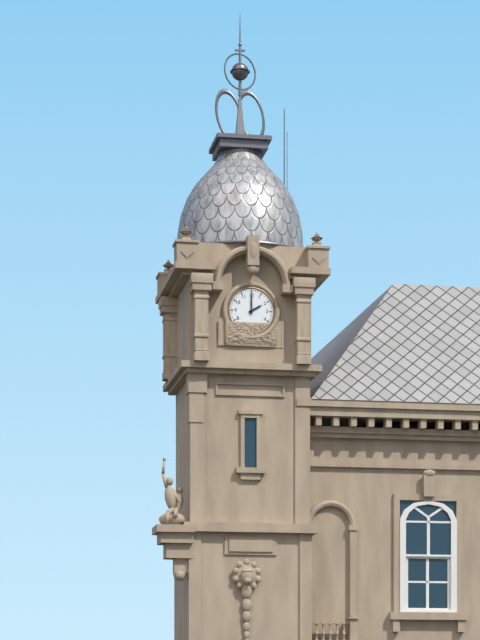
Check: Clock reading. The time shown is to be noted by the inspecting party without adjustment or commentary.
2:00
